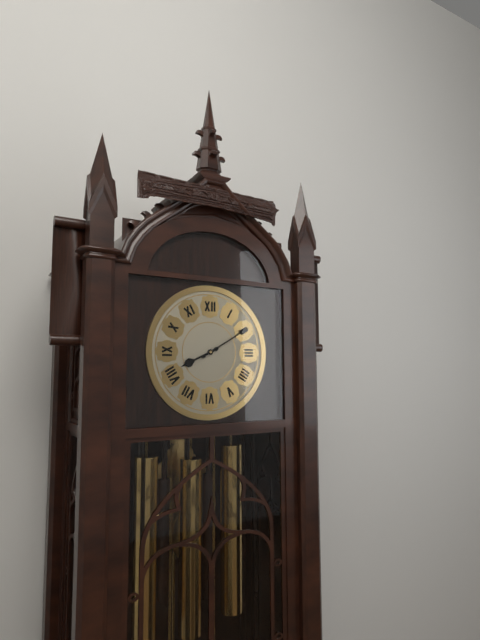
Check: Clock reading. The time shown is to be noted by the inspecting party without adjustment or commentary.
8:10
